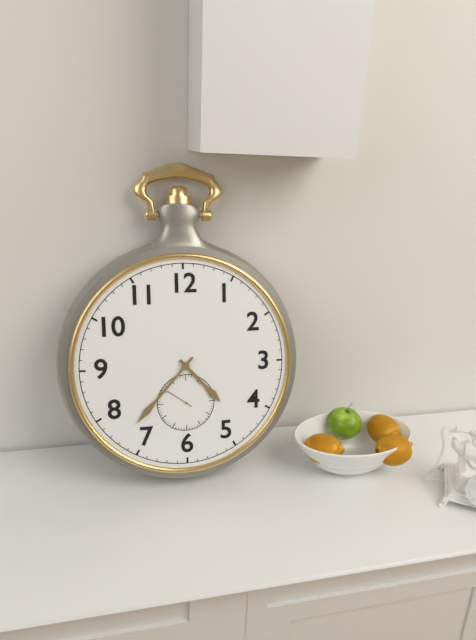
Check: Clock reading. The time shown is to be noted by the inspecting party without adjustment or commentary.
4:37
